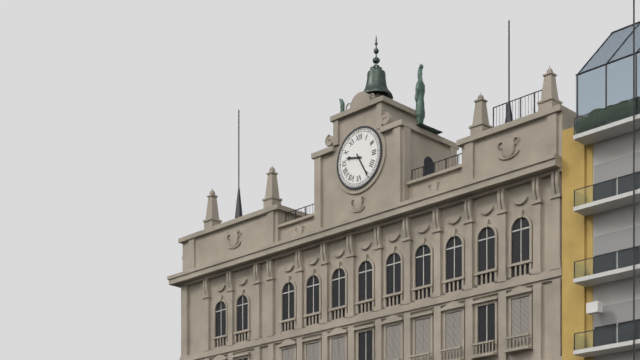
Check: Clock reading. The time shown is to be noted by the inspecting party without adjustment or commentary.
9:25
